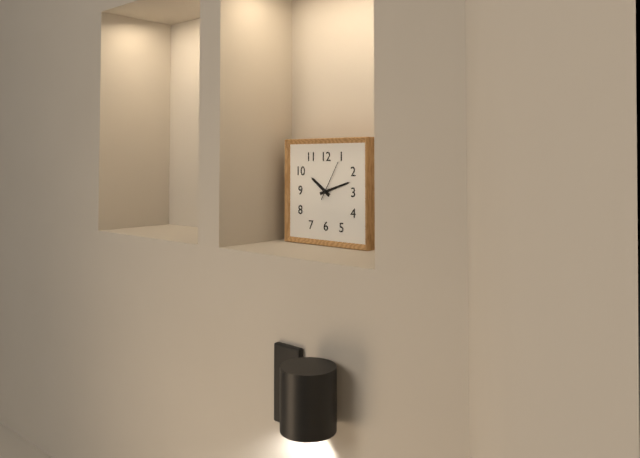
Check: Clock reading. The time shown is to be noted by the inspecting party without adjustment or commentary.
10:12
